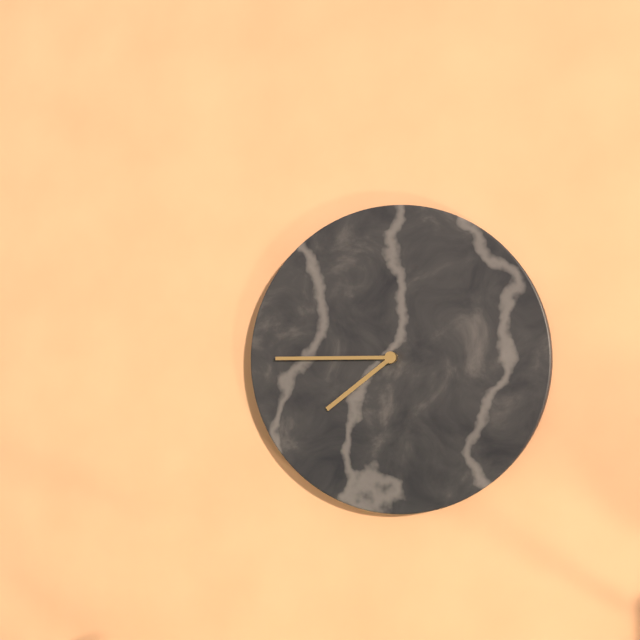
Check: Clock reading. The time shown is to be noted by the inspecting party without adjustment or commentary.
7:45
